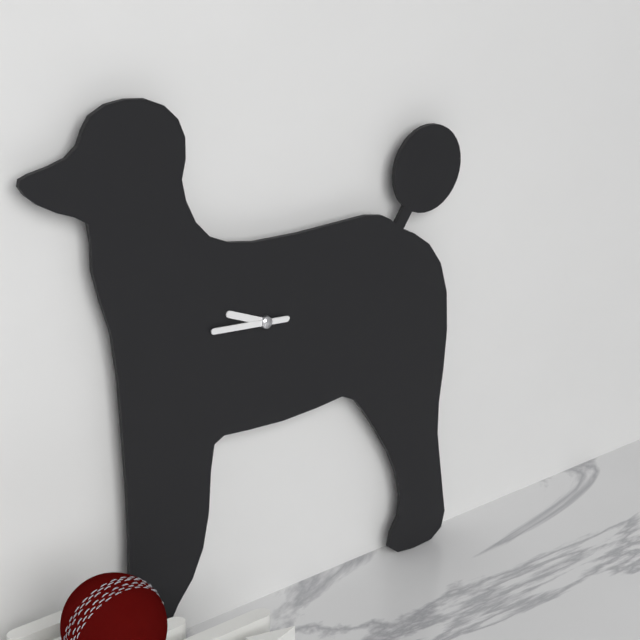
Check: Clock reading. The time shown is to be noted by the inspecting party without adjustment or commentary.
9:46
